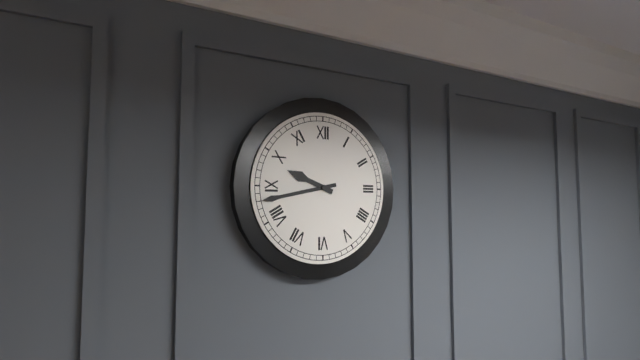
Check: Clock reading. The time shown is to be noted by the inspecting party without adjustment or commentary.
9:43
